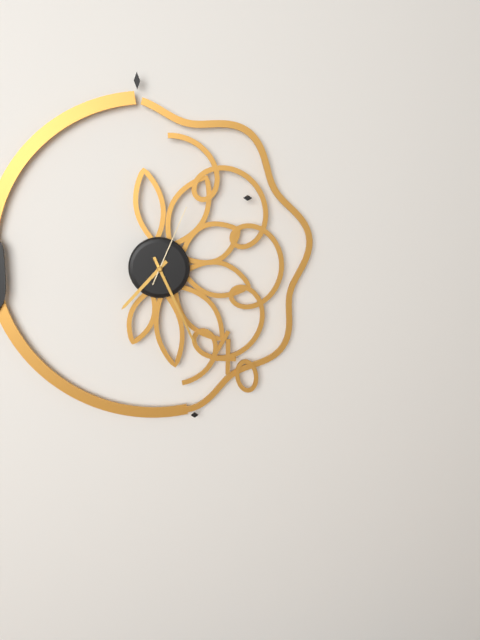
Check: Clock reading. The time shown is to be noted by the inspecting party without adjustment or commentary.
7:26:04
